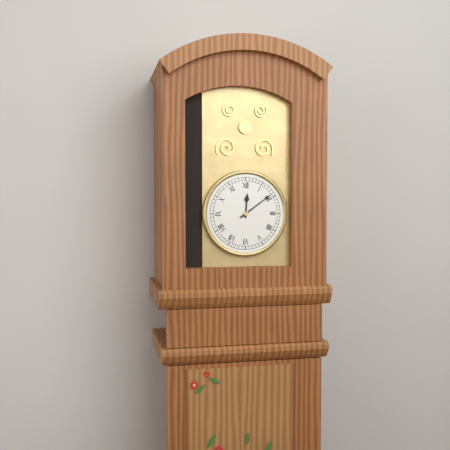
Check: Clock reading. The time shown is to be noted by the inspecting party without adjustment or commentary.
12:09
